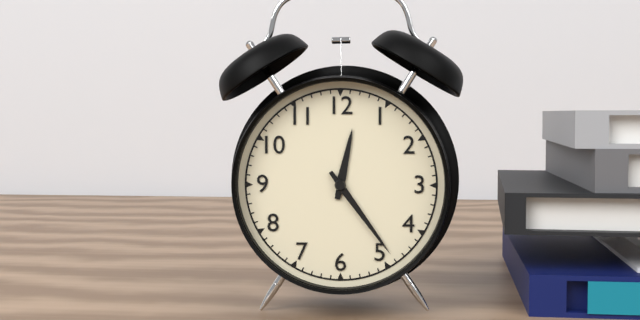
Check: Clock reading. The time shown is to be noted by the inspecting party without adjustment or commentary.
12:24
